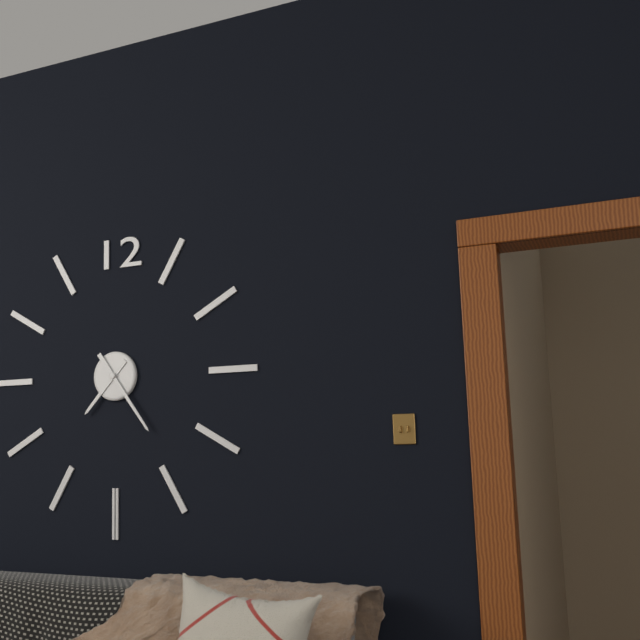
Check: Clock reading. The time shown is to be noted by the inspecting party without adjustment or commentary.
7:24
